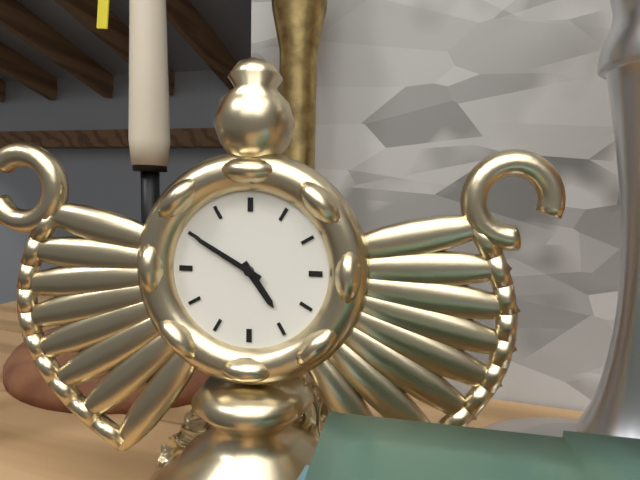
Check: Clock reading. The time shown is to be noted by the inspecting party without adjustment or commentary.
4:50
